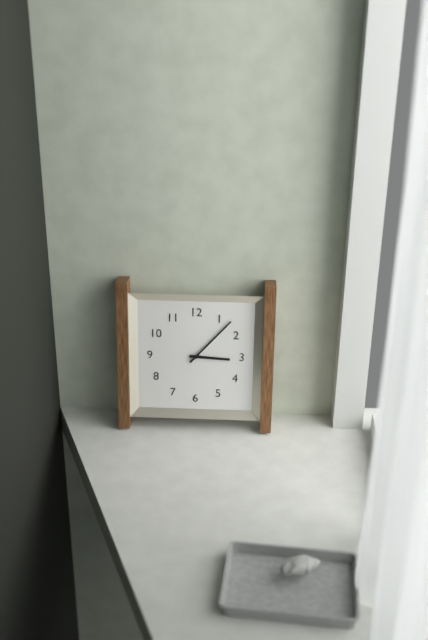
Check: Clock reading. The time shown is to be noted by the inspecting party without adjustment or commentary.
3:07
